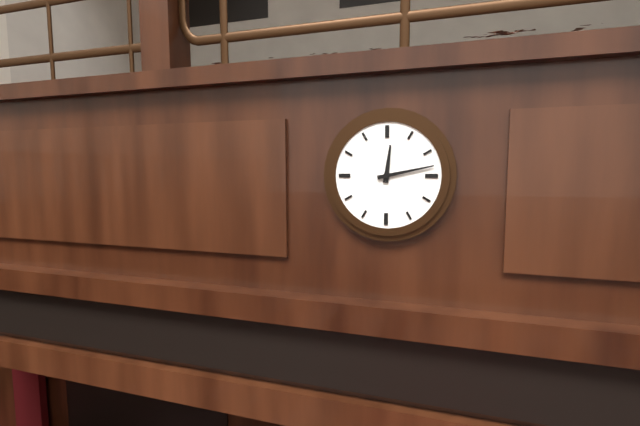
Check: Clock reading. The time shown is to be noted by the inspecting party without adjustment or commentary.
12:13
